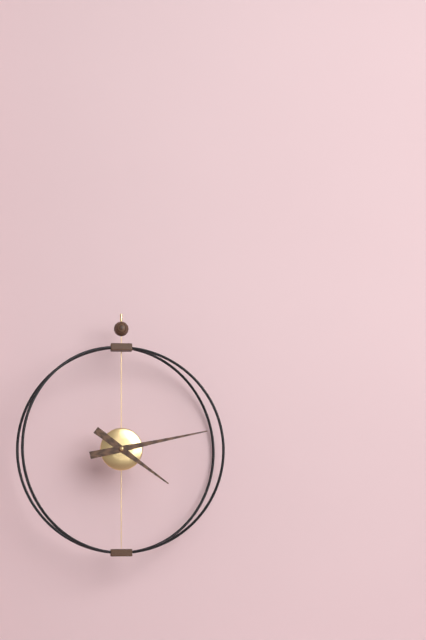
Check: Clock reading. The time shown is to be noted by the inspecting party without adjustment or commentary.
4:13
